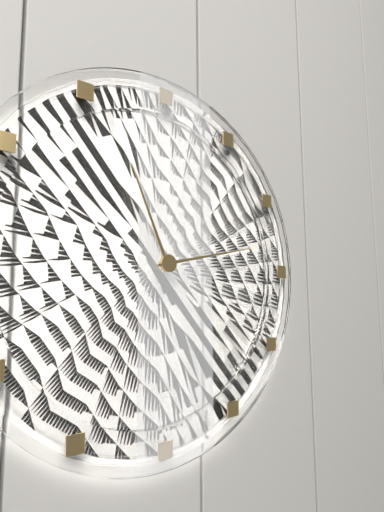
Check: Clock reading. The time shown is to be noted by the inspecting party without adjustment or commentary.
11:13
